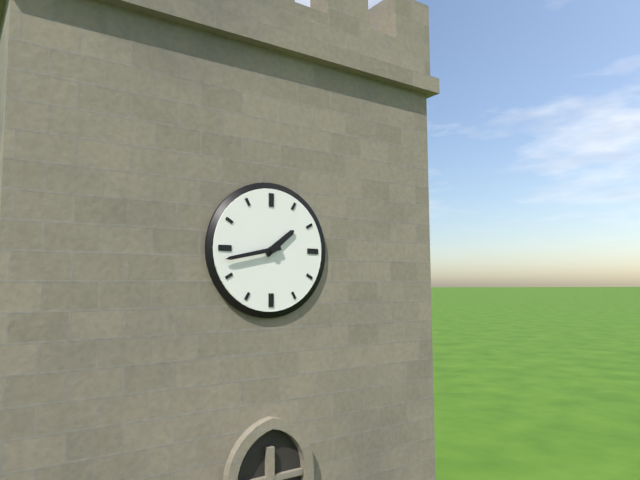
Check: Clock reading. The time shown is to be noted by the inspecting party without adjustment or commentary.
1:43
